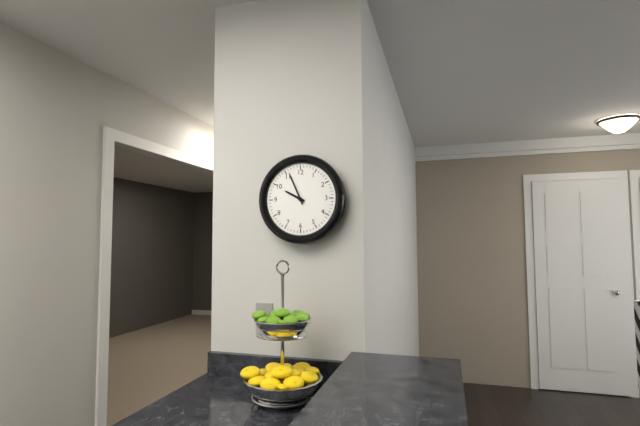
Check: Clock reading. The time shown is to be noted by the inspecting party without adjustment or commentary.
9:56
